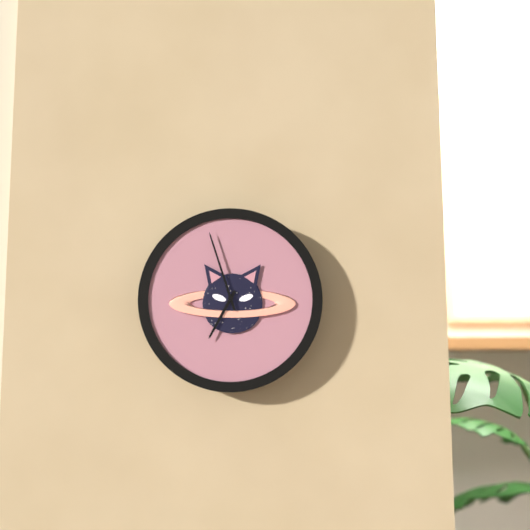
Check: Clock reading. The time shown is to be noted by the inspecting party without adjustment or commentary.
6:57
